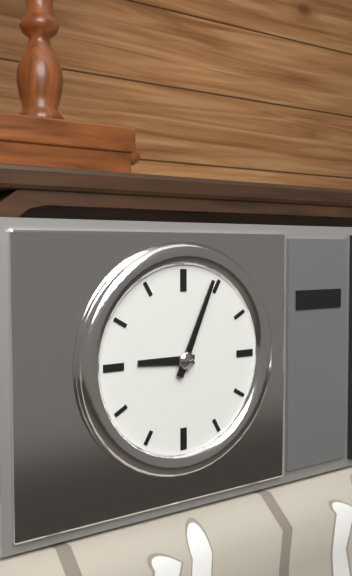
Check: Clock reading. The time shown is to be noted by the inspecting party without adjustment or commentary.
9:04
